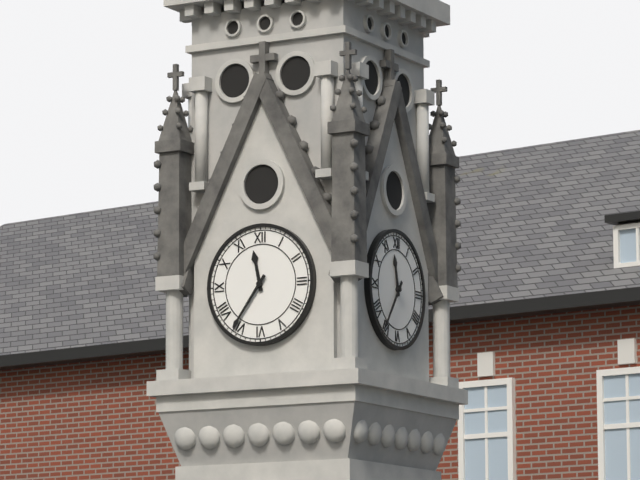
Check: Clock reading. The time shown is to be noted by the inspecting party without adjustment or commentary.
11:36
